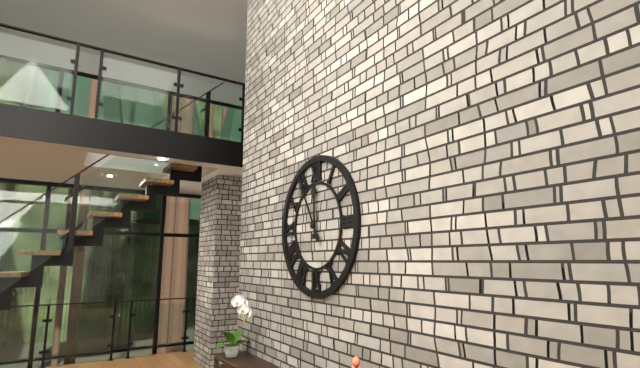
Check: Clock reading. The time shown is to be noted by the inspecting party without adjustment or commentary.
11:55
